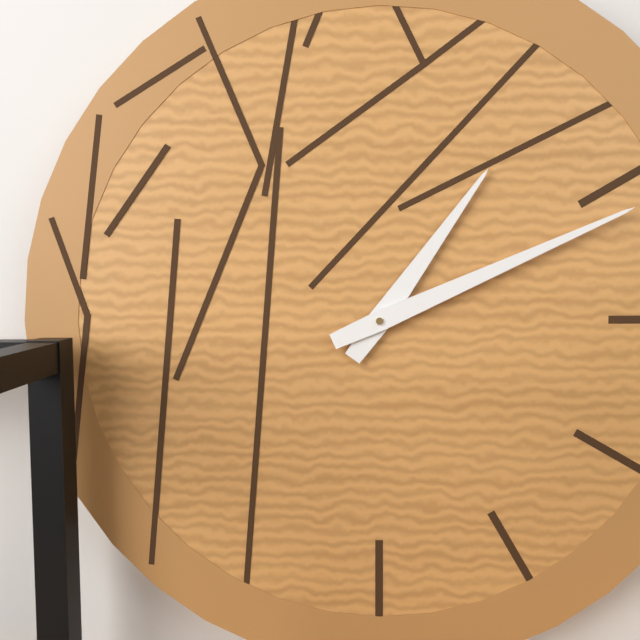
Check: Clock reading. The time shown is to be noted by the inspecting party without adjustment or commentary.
1:11
